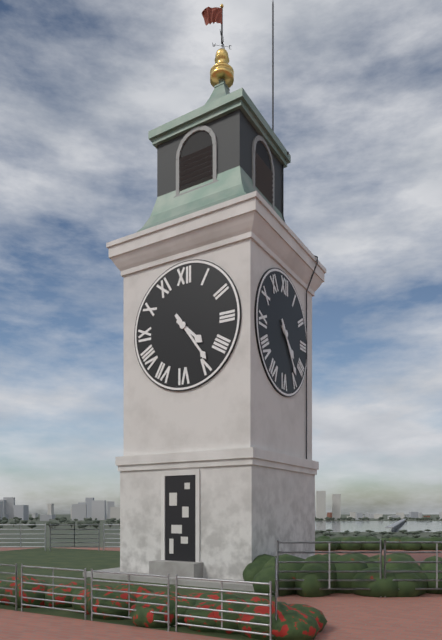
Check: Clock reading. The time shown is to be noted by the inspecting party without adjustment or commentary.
4:24
